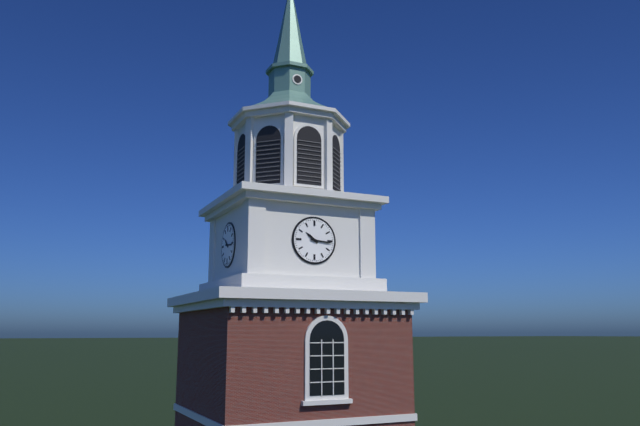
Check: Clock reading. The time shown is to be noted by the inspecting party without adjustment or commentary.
10:16
